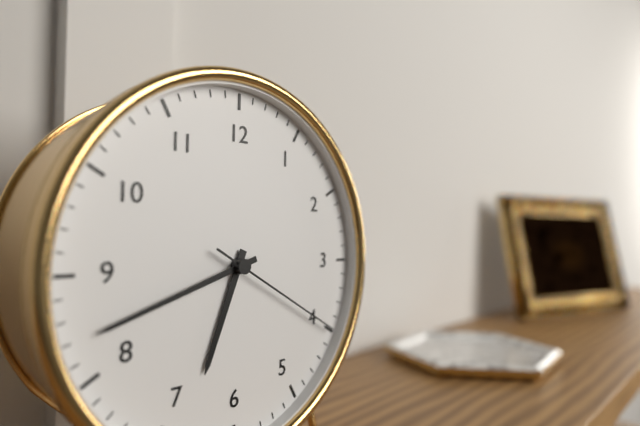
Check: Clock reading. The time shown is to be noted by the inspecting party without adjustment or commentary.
6:42:20
